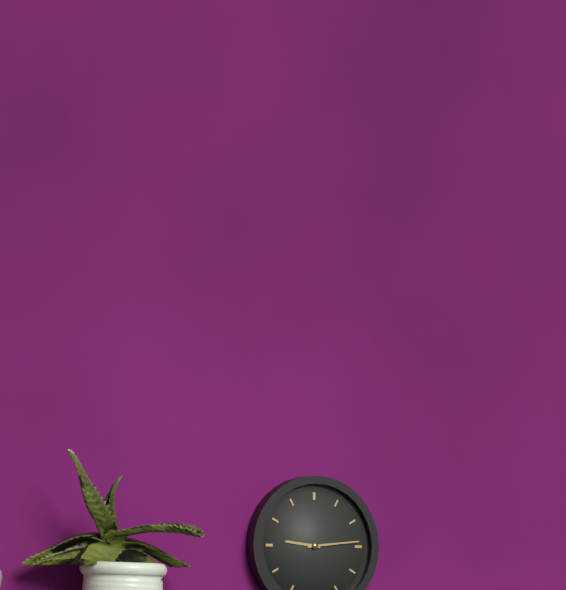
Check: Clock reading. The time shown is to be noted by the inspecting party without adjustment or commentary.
9:14
